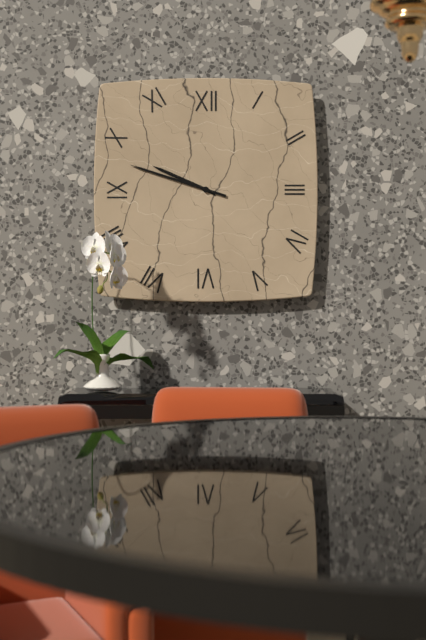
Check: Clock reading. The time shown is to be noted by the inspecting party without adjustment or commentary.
9:48
